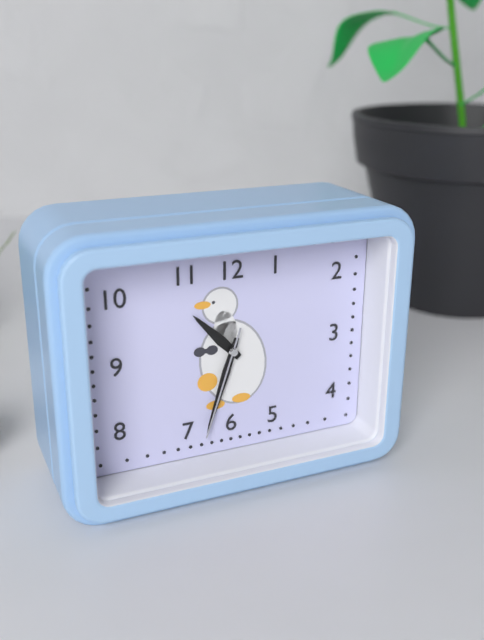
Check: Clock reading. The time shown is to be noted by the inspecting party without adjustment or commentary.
10:33:33
